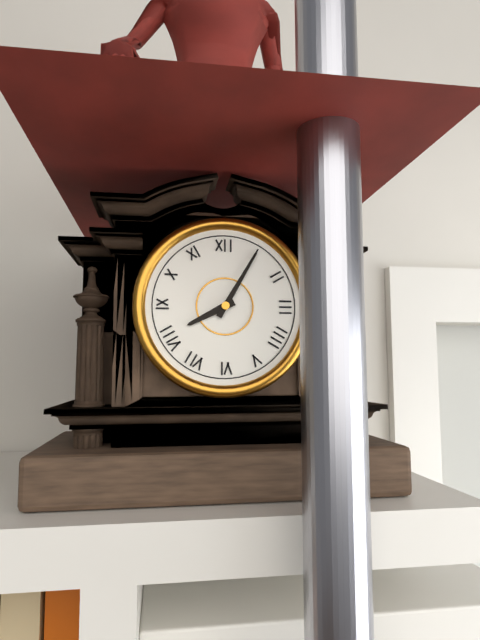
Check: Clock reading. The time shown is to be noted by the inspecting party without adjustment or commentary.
8:05
